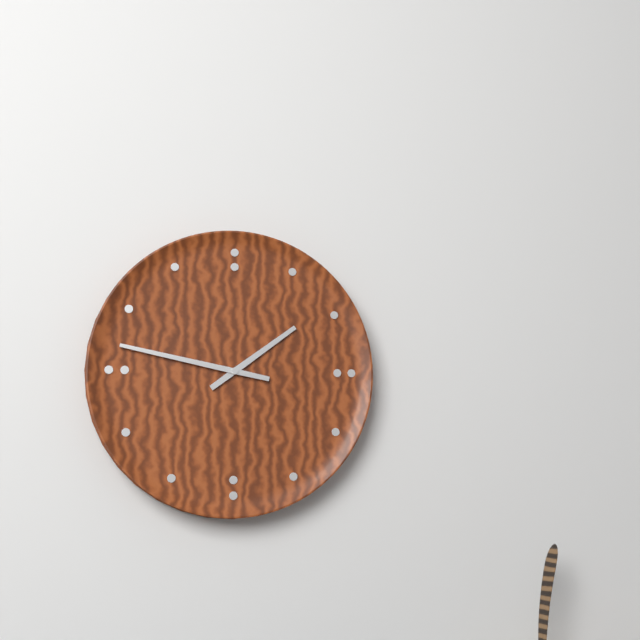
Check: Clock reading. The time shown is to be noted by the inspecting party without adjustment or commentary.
1:47
